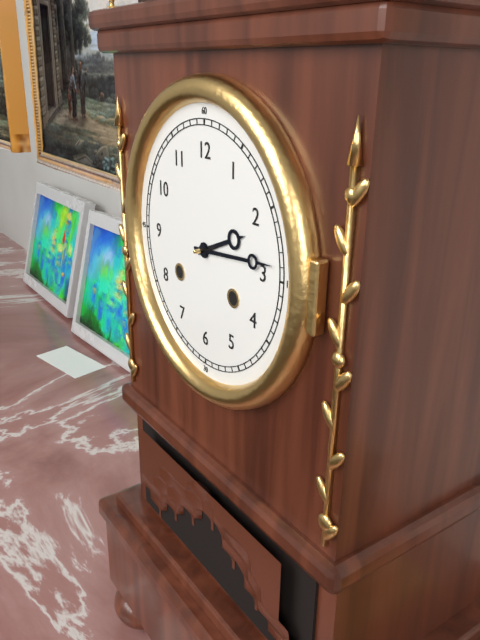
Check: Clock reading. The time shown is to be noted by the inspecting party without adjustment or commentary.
2:14
